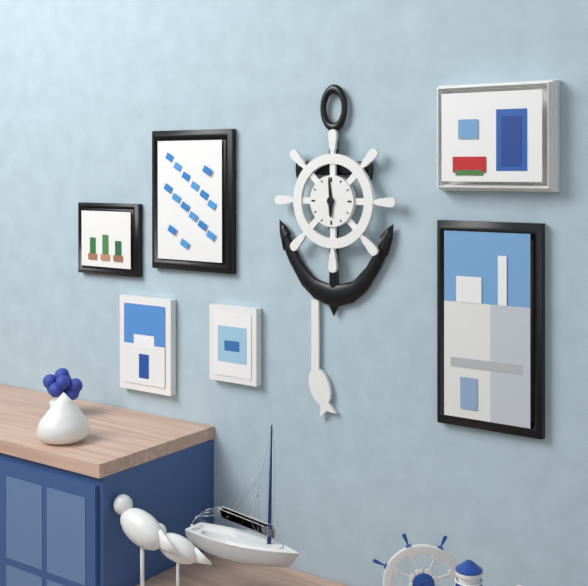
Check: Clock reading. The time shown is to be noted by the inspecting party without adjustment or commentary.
5:59
